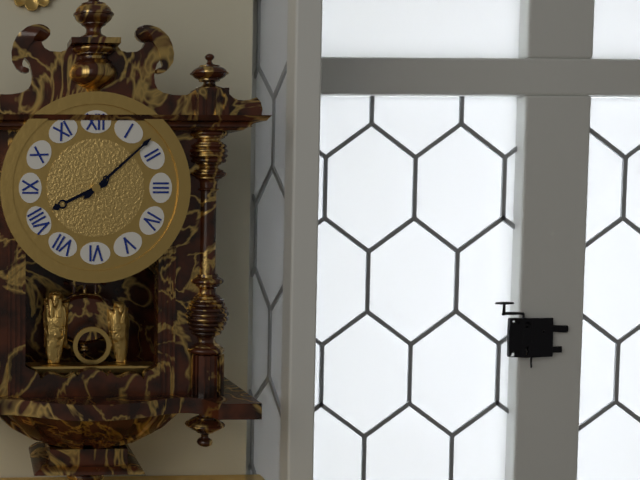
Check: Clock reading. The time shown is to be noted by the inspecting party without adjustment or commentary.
8:08
